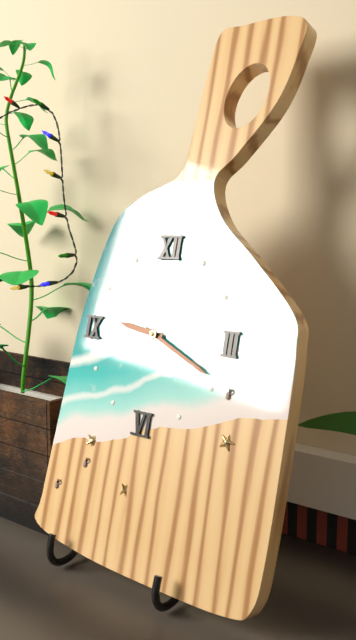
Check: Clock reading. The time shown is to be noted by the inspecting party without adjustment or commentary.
9:19
